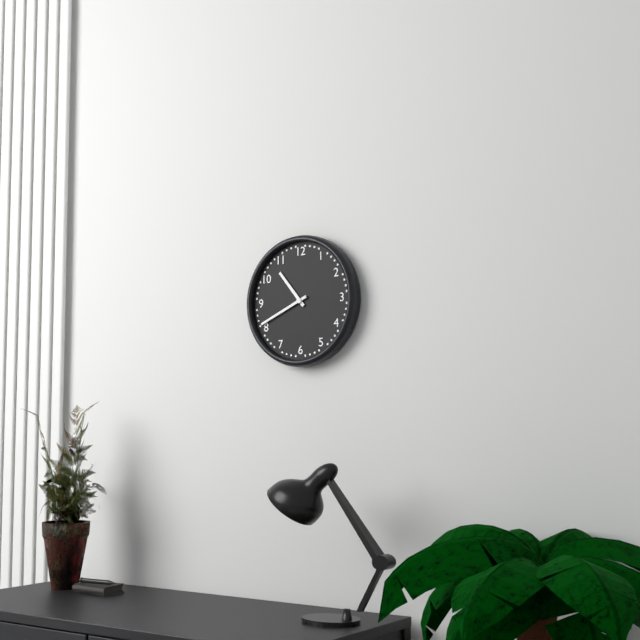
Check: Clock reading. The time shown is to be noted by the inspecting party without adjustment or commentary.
10:41
